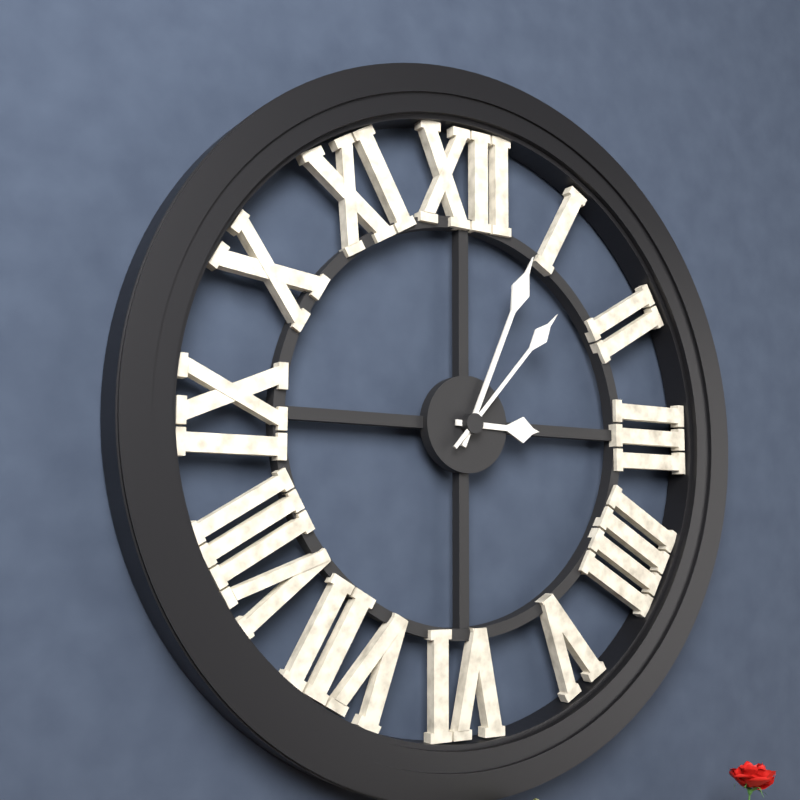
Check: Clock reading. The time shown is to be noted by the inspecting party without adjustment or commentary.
3:04:07
